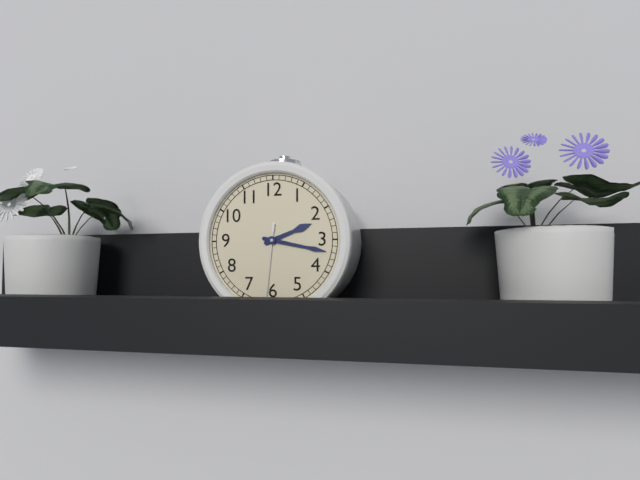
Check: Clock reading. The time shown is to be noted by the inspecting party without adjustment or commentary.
2:17:31
